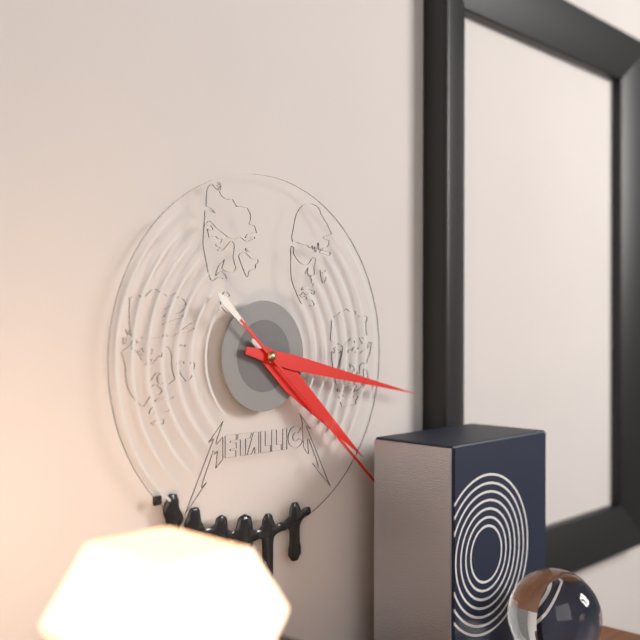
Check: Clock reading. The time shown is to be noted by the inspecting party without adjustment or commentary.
4:17:22
